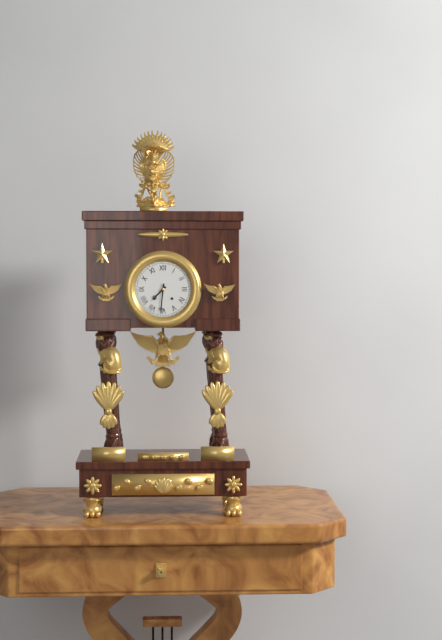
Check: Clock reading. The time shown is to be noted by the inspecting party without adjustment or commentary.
7:31
